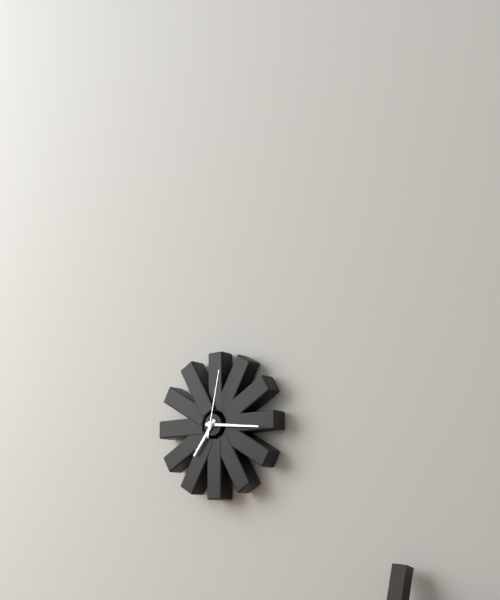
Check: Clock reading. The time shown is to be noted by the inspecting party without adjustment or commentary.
7:16:02
